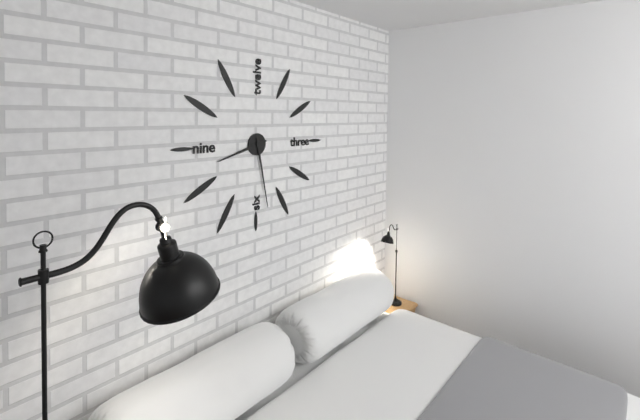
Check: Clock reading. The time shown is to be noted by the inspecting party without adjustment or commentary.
8:28
